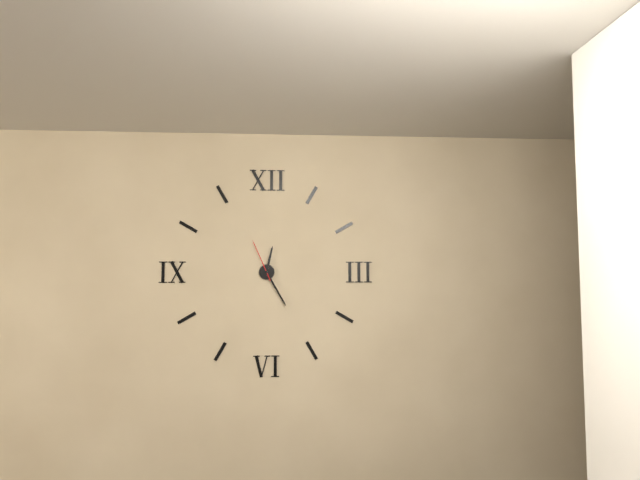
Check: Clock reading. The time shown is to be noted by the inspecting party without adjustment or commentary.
12:25
